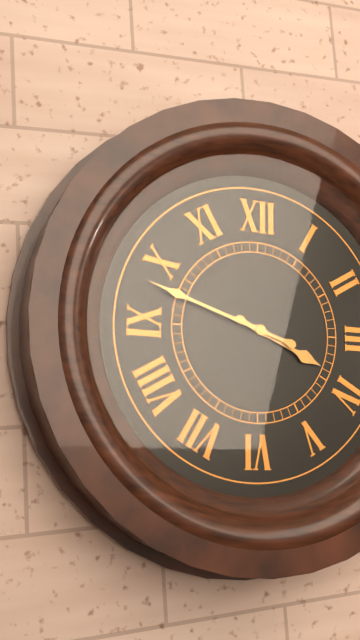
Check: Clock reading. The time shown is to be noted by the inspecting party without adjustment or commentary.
3:48
